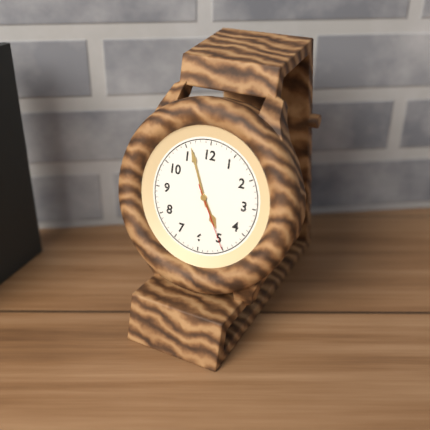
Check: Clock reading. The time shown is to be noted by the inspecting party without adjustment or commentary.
4:56:25
